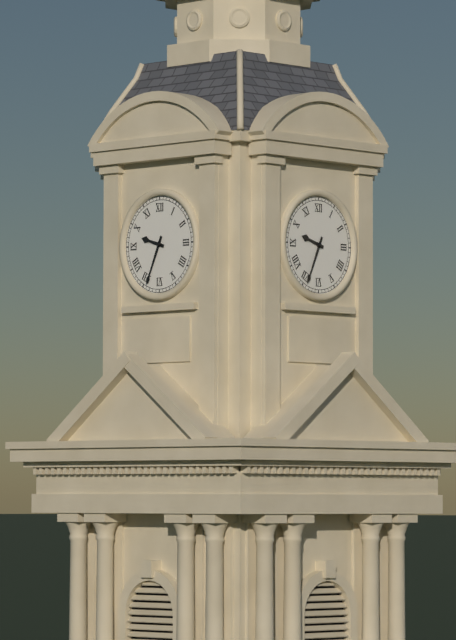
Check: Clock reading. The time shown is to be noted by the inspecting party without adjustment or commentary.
9:34
